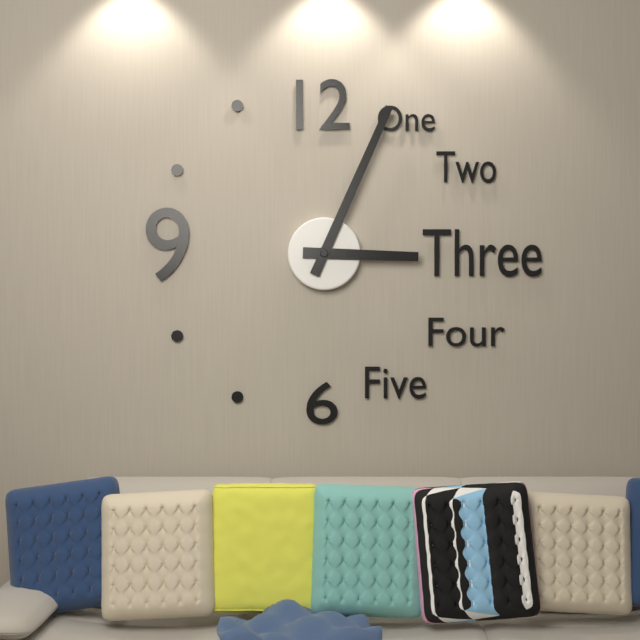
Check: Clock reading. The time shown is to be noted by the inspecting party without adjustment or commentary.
3:04
